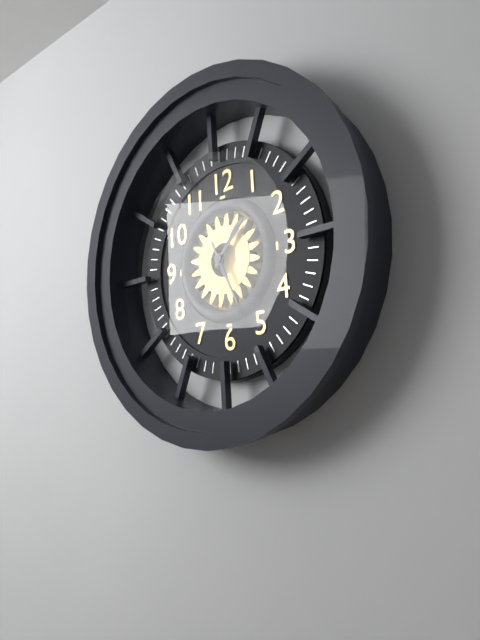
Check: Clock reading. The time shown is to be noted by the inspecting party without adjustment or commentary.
1:26
